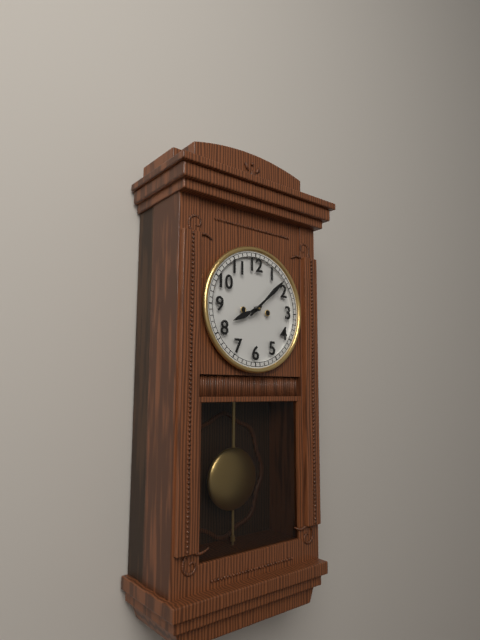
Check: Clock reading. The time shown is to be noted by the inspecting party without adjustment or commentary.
8:08
